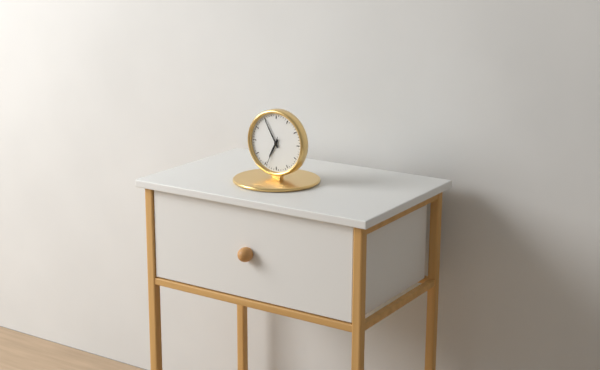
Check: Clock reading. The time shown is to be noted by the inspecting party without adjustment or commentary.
6:55
